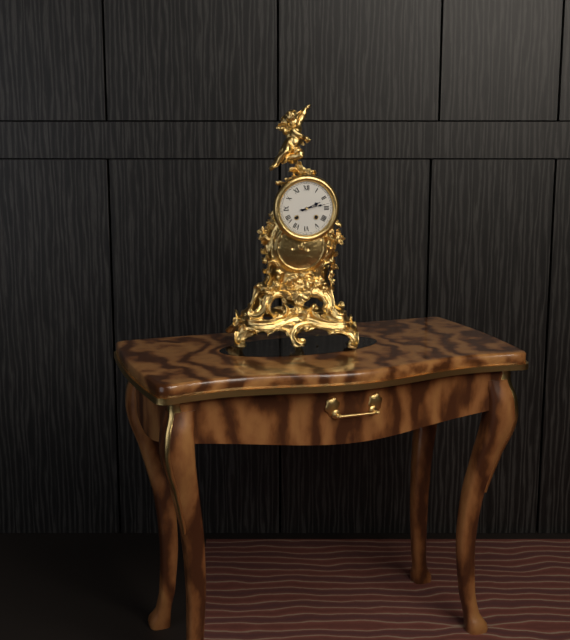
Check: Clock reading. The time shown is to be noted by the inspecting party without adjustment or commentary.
2:13
